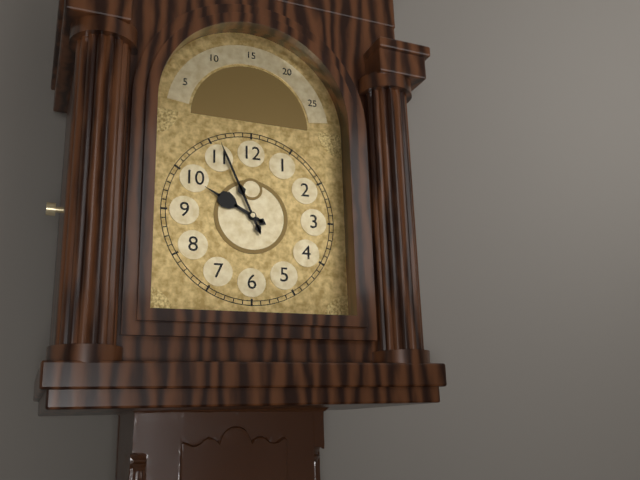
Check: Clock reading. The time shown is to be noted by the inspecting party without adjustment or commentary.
9:56
